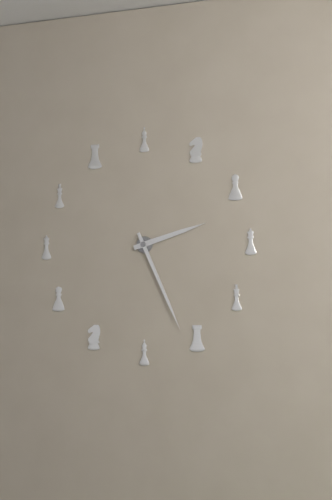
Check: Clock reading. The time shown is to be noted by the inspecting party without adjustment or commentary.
2:26
